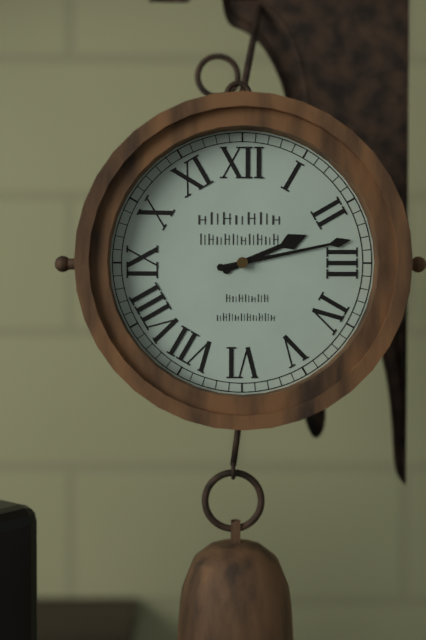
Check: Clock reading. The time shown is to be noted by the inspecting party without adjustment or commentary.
2:13
